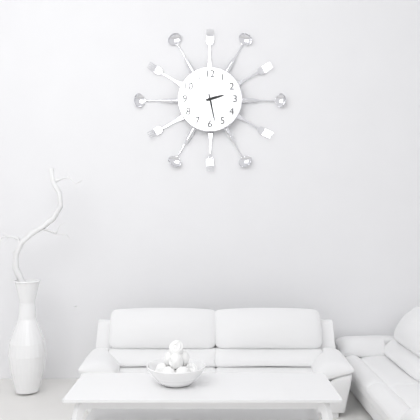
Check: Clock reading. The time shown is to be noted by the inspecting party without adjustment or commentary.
2:28
